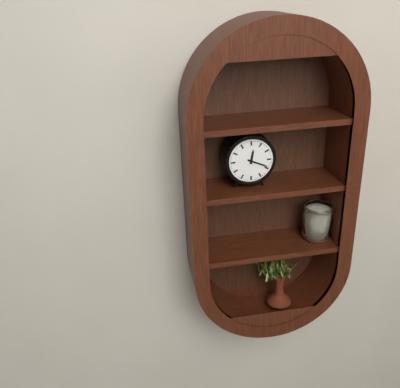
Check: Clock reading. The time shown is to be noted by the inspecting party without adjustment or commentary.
12:19
